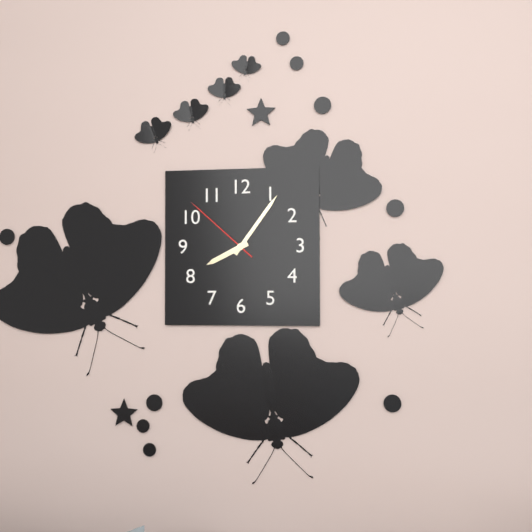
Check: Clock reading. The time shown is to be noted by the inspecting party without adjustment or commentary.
8:06:52
